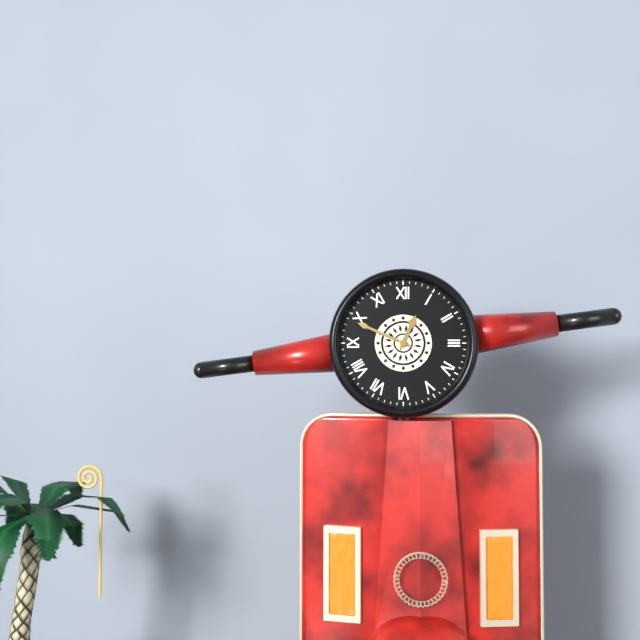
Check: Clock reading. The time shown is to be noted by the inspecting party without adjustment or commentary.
12:49
